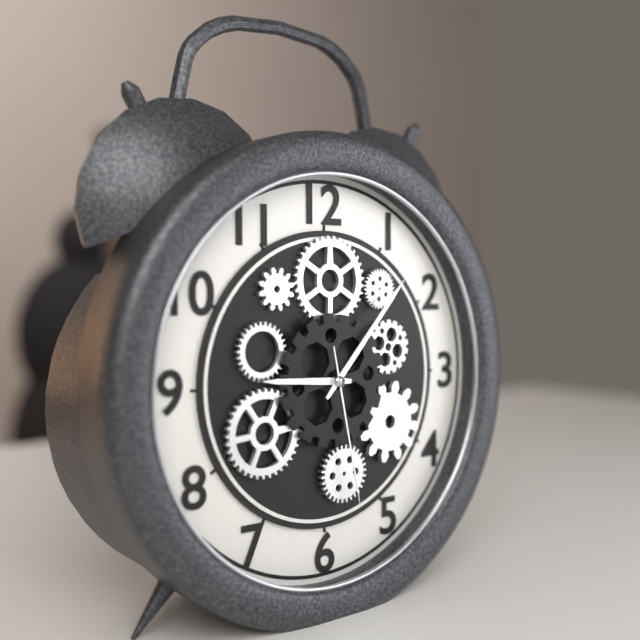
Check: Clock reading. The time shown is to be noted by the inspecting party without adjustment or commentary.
9:07:28
